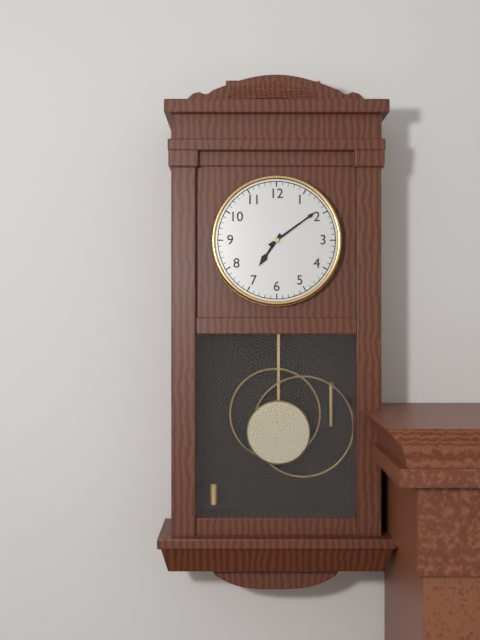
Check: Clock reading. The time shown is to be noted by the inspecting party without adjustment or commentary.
7:09
